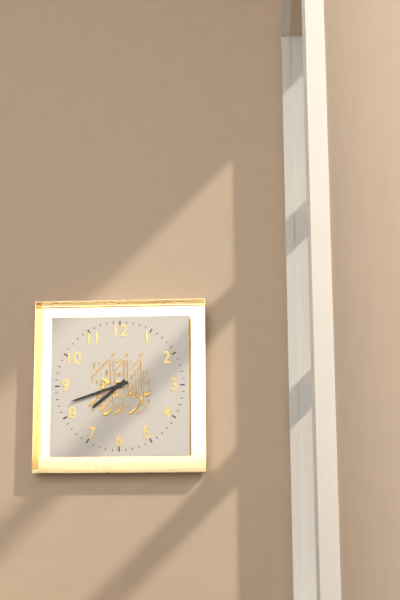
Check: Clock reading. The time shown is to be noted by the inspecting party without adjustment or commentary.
7:42
